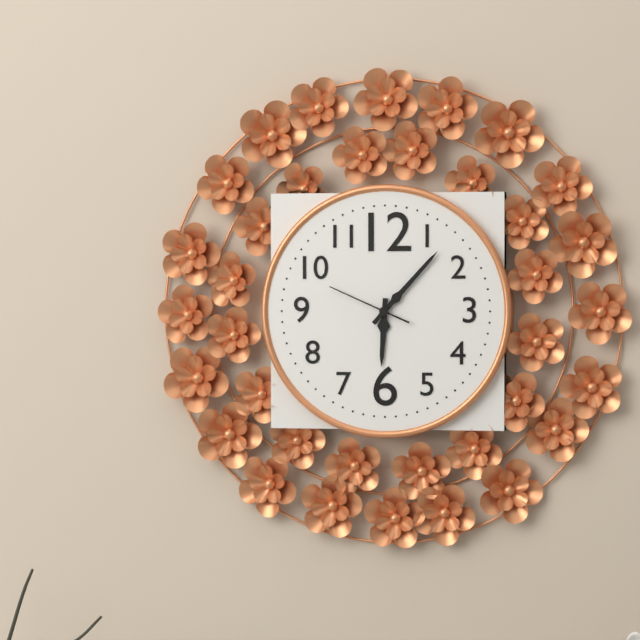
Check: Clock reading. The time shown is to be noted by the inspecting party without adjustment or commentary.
6:07:49
